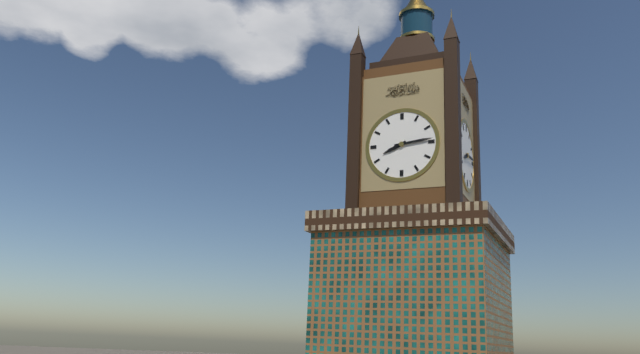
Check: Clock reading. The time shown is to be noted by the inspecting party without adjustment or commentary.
8:14
